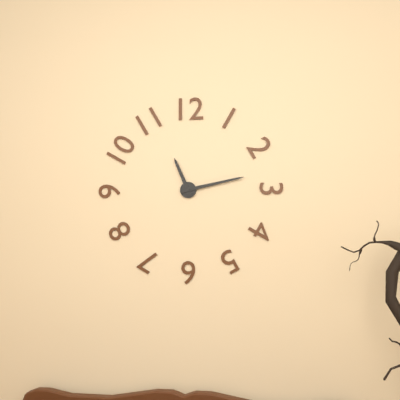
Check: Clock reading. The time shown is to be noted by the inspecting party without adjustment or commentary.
11:13
